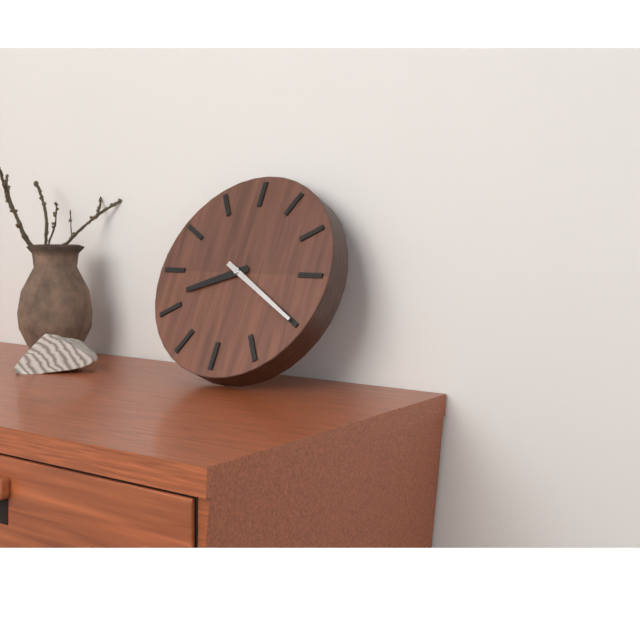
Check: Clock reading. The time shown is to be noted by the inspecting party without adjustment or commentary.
8:20
